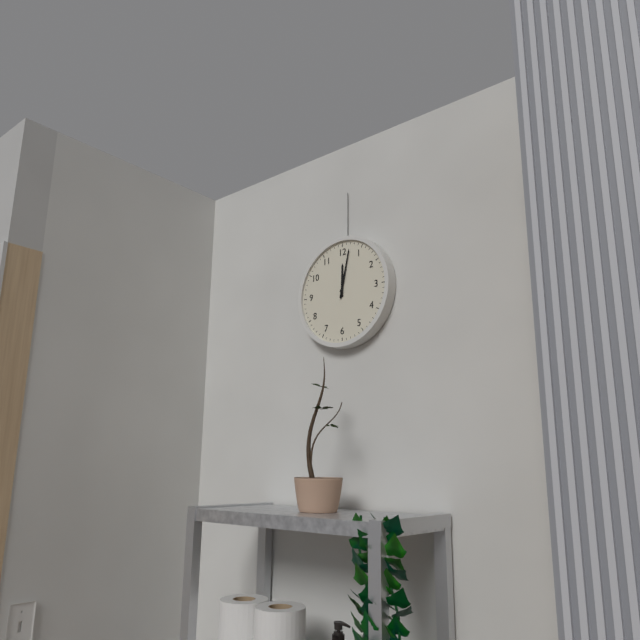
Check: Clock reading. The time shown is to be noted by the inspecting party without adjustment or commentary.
12:02
